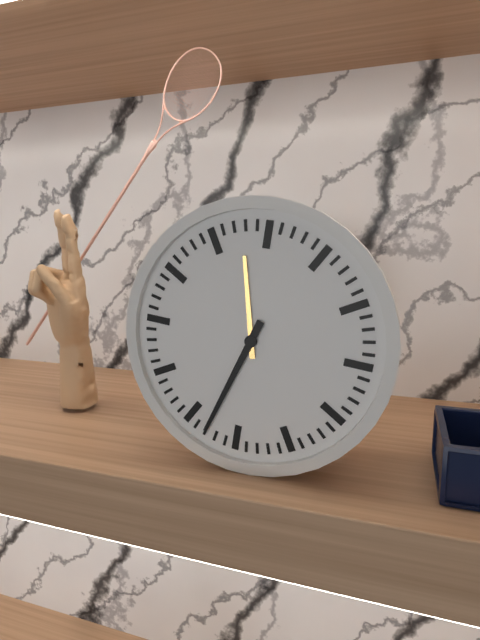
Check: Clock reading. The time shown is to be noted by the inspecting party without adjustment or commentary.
11:33
